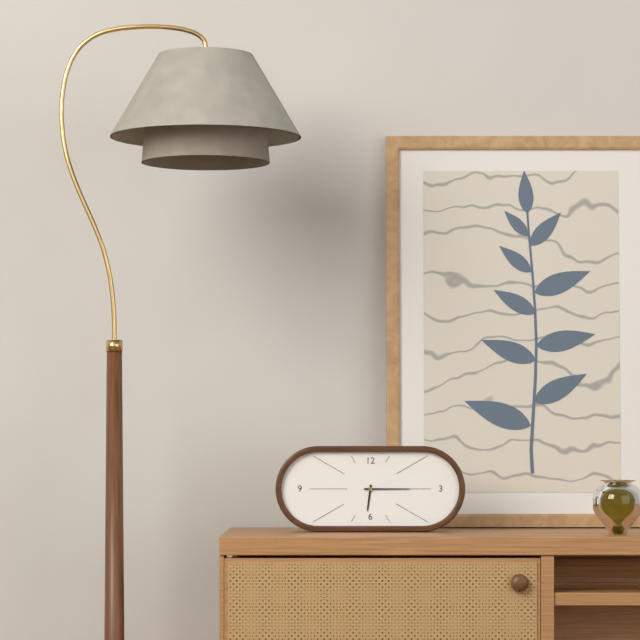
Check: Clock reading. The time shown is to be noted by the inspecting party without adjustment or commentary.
6:15
